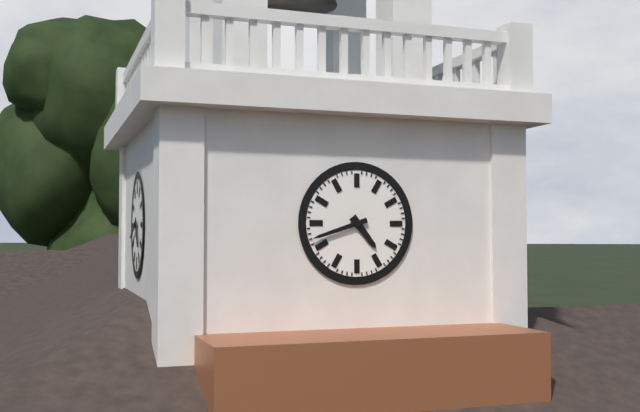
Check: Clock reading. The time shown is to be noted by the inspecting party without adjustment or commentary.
4:42
